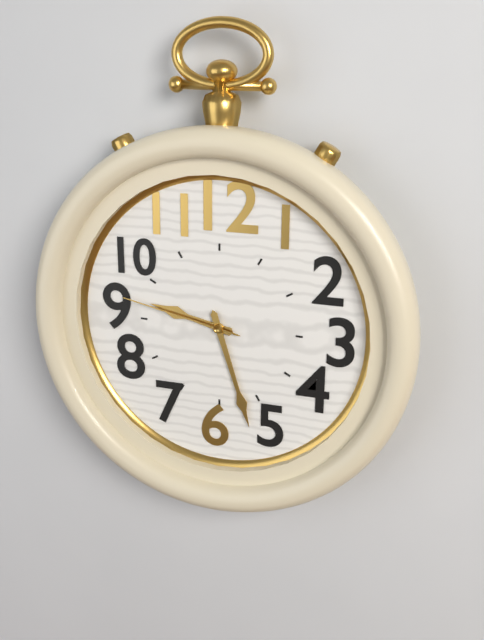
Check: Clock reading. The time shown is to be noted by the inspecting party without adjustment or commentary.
9:27:47
